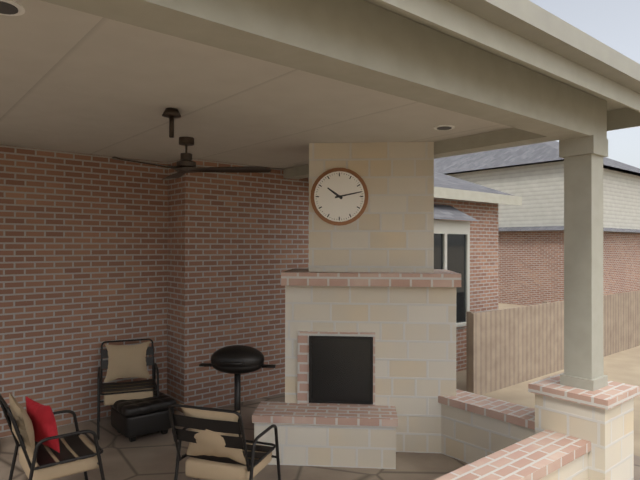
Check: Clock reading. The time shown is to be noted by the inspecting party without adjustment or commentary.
10:13
